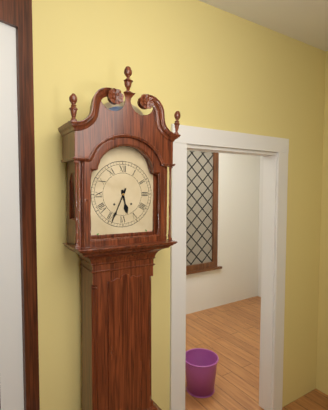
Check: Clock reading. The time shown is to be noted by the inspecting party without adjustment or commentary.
5:34
